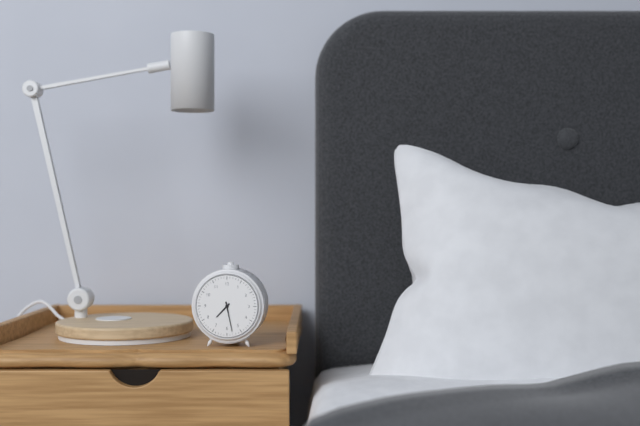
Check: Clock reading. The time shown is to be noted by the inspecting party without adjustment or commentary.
7:28
